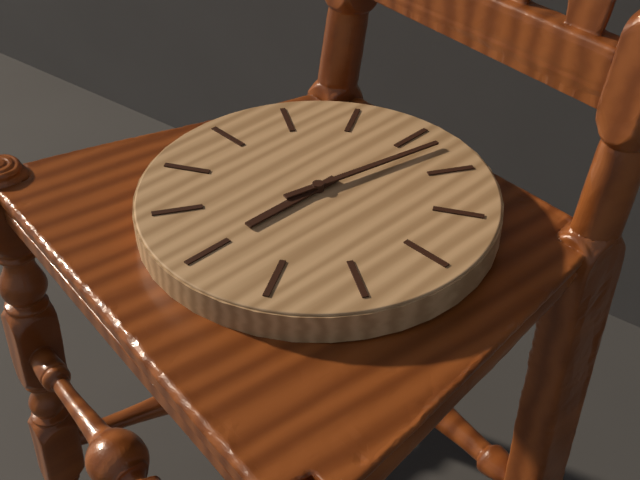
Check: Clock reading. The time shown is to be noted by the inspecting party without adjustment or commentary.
6:02
